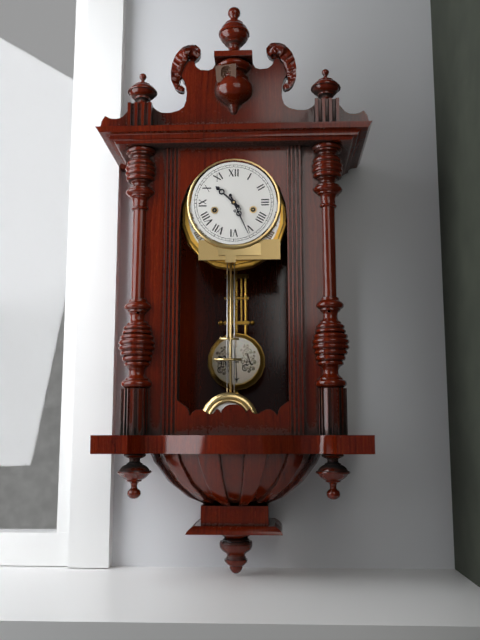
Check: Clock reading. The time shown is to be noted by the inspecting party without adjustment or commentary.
10:26
